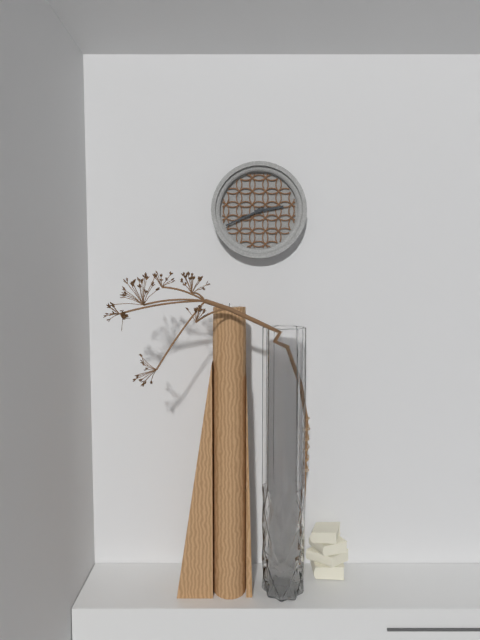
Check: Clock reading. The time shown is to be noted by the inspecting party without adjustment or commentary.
2:41
